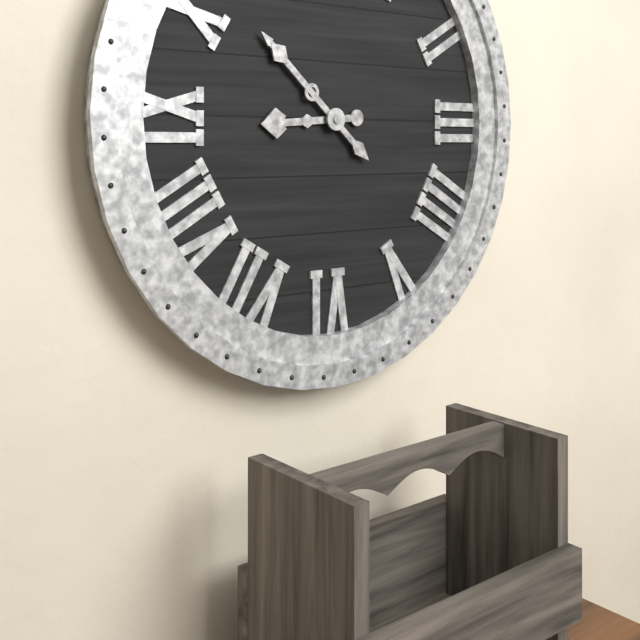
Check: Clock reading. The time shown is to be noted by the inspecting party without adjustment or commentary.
8:52
